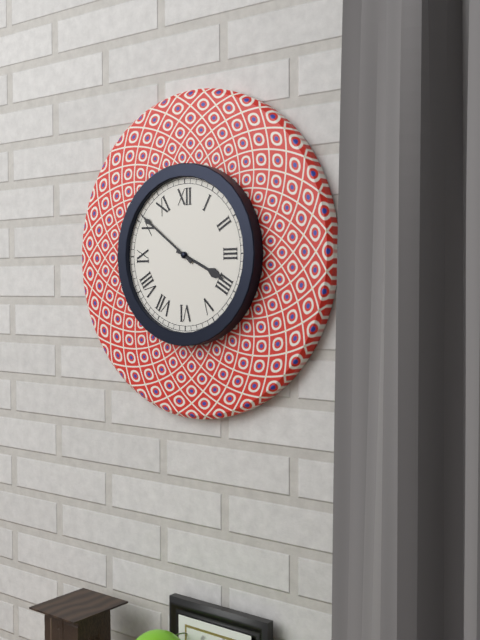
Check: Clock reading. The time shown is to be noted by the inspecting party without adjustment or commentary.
3:51
